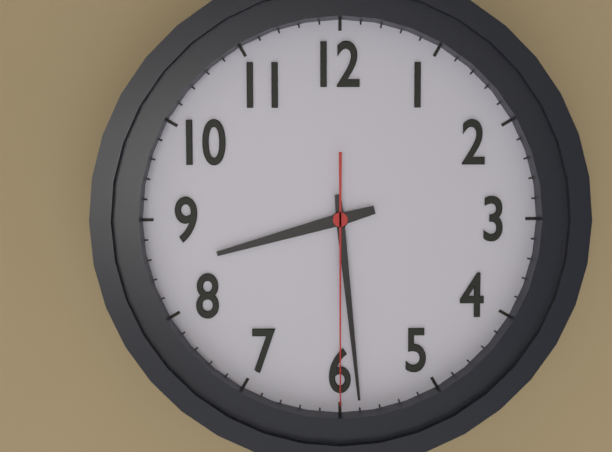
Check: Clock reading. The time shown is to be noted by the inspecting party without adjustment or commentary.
8:29:30
